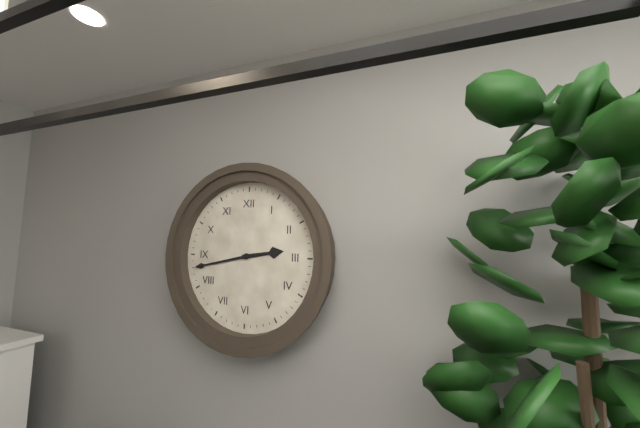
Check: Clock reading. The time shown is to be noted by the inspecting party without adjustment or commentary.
2:43
